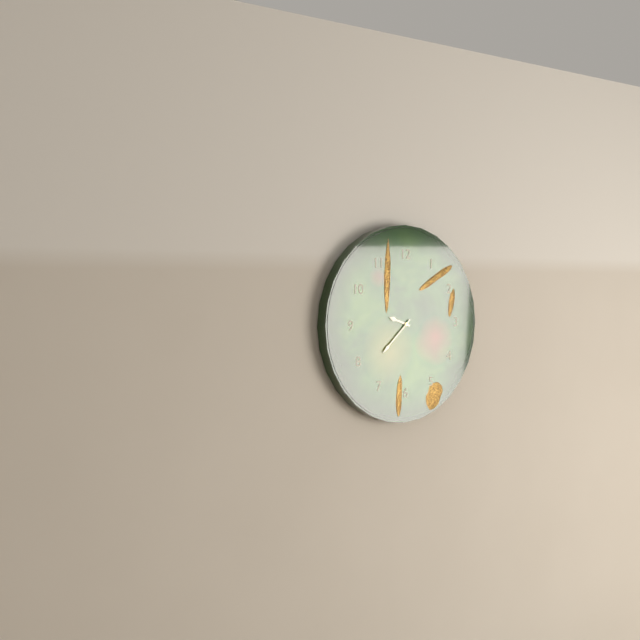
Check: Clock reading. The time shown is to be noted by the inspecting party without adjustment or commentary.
9:38
